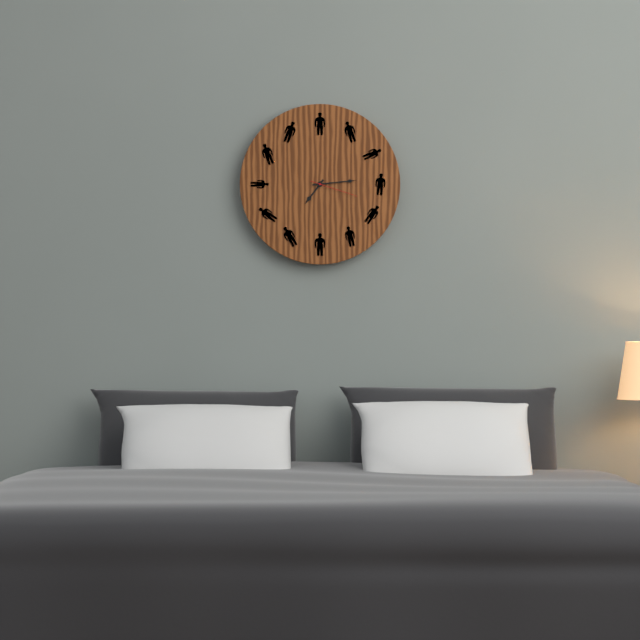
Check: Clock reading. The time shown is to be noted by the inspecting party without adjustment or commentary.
7:14
